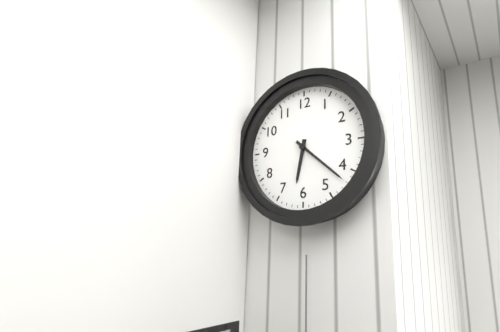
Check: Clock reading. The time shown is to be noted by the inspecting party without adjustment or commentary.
6:22
